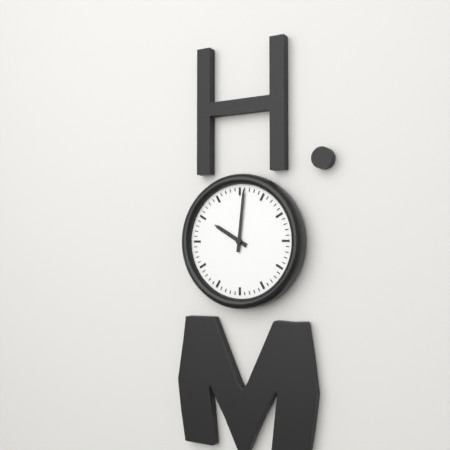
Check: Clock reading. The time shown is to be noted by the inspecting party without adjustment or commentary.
10:01
